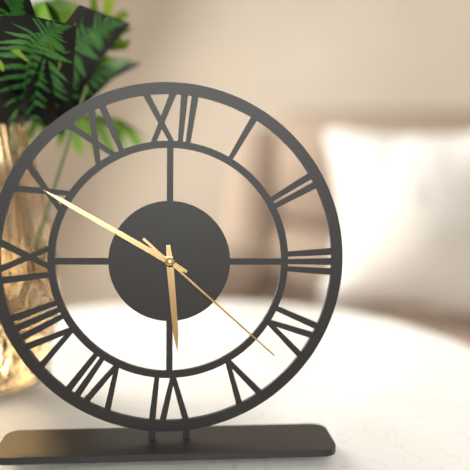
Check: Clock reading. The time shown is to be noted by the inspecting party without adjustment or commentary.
5:50:22
